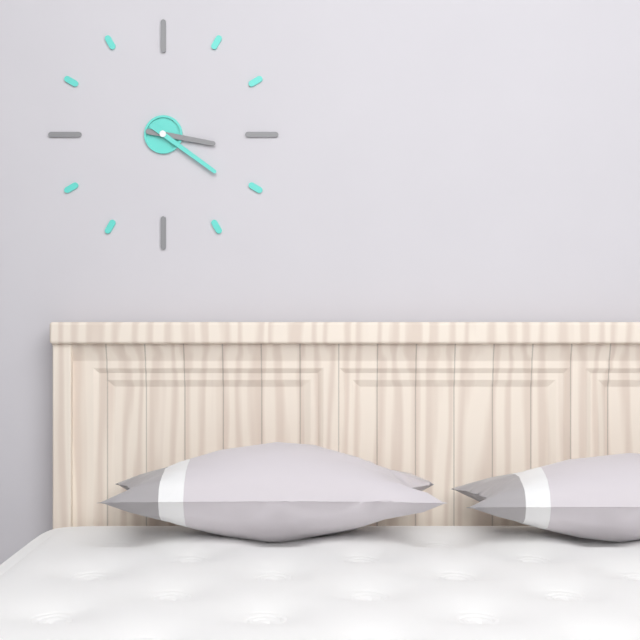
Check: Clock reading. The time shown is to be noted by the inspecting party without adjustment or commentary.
3:21
